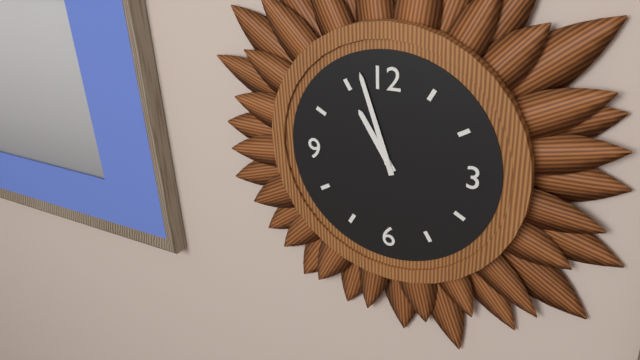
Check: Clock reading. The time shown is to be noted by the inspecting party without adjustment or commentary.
10:57
